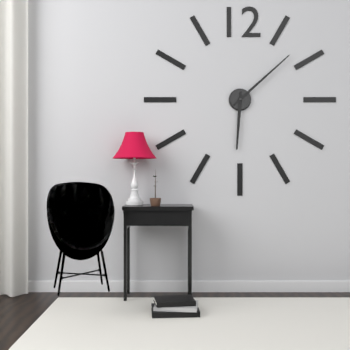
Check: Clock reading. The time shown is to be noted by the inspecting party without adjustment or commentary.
6:08
